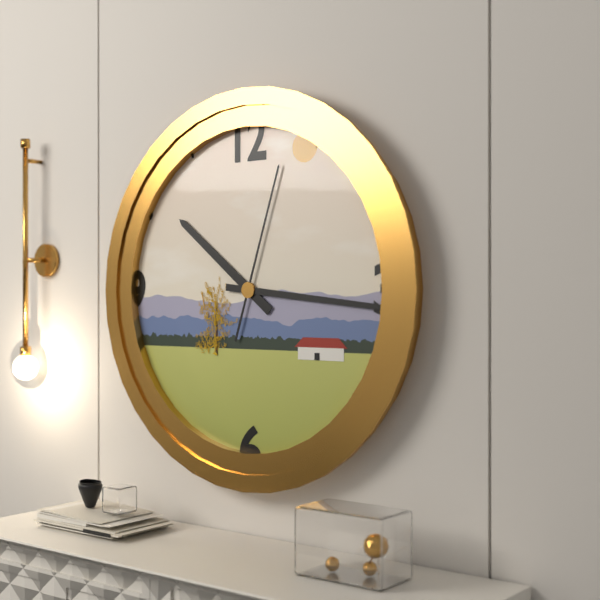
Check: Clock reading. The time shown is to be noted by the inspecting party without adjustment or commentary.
10:16:03
